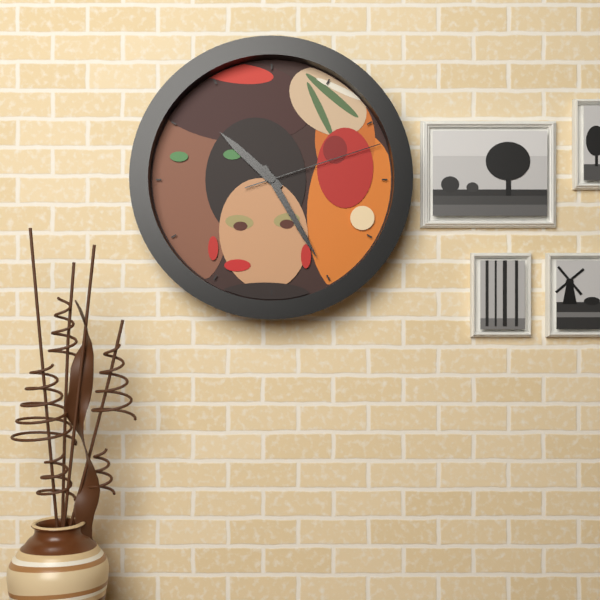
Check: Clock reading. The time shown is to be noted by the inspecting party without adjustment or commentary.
10:25:12
